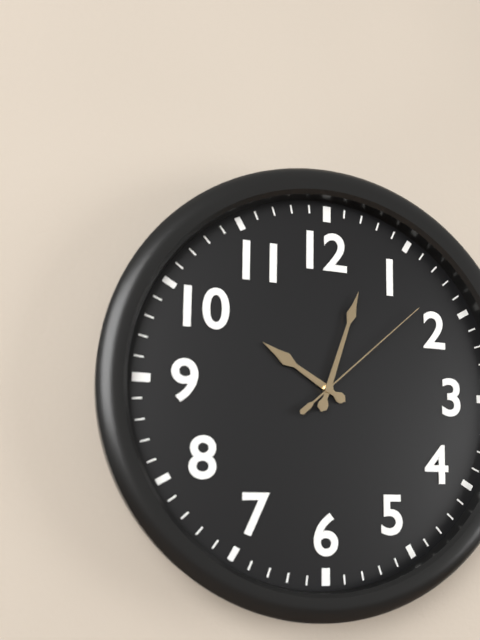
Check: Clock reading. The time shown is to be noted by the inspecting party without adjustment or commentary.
10:03:08
